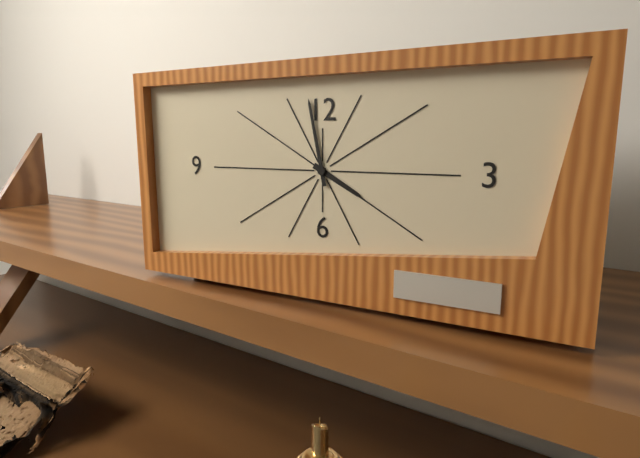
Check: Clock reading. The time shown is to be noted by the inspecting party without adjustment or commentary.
3:58
